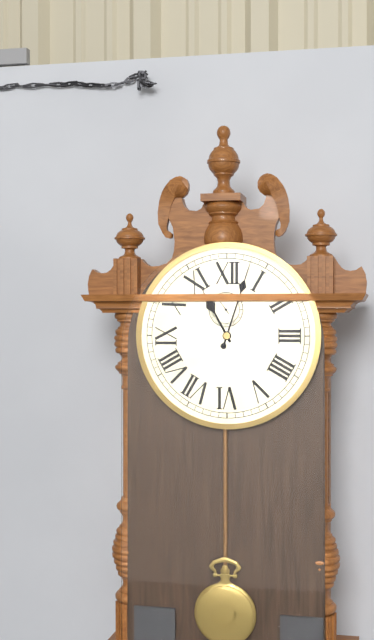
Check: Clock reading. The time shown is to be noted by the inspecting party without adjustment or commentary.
11:03
